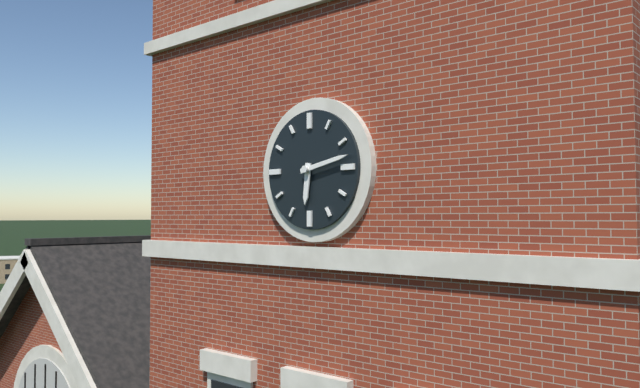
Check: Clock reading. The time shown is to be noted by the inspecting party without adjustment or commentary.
6:13
